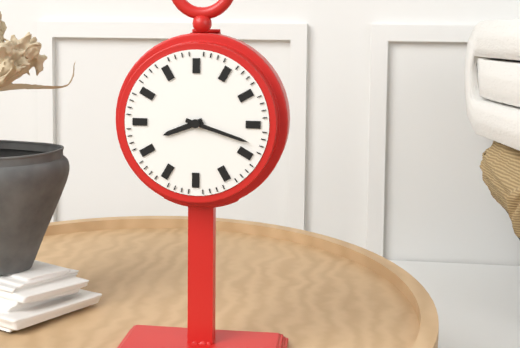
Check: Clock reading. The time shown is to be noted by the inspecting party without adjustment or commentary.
8:18
